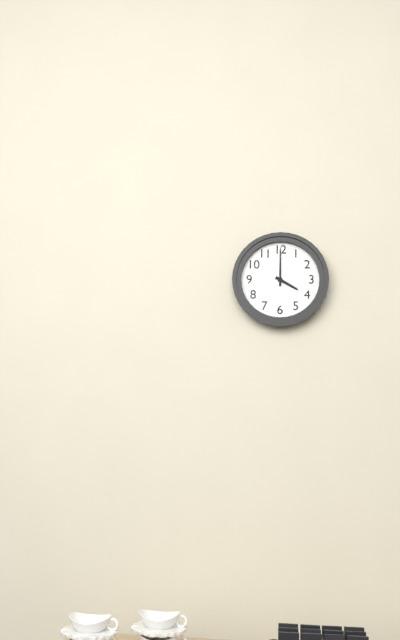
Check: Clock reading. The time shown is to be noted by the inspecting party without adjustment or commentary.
4:00
